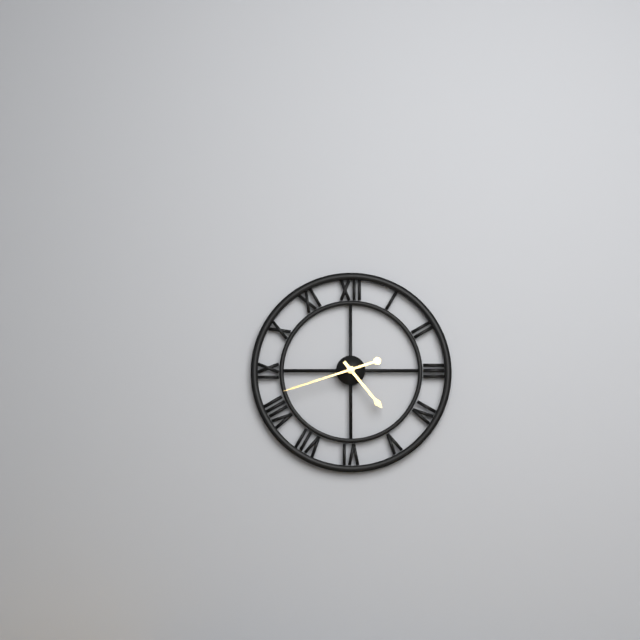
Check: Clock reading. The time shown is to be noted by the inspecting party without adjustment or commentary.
4:42
